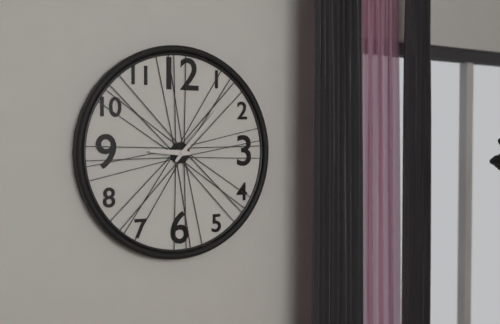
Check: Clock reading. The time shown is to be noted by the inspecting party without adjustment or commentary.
9:07
